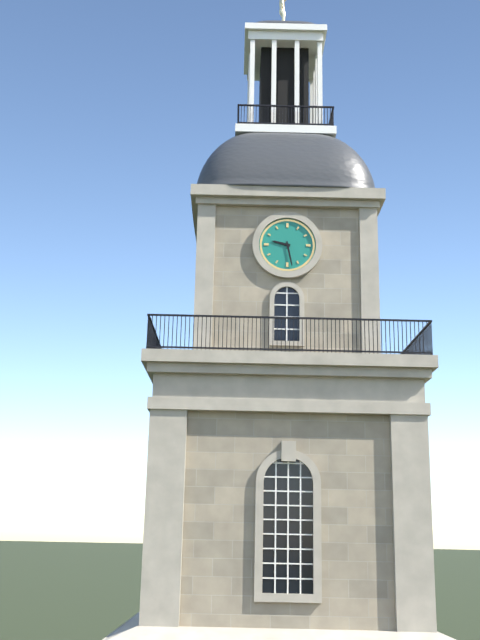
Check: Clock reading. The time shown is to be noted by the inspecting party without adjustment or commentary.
9:28
